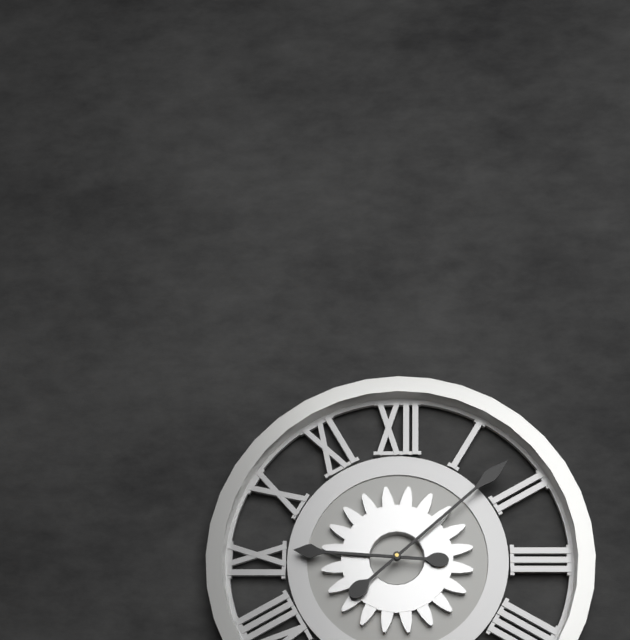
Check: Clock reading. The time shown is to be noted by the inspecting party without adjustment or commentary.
9:08
